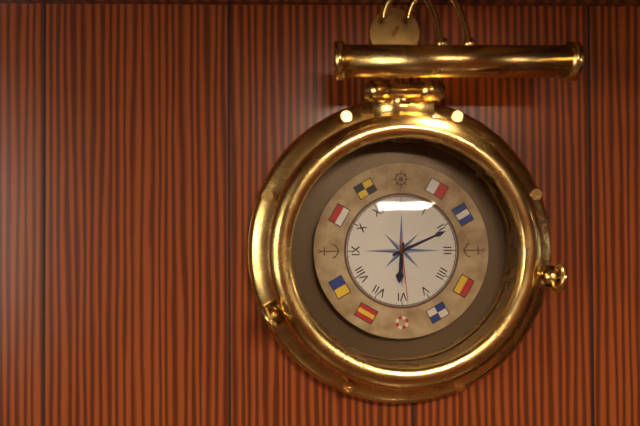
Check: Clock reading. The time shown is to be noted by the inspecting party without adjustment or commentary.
6:11:29
